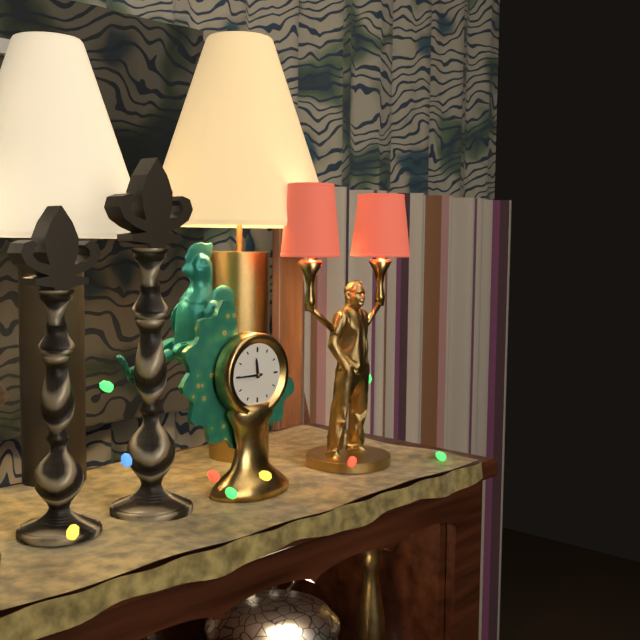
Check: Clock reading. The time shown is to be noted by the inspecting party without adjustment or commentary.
11:45
